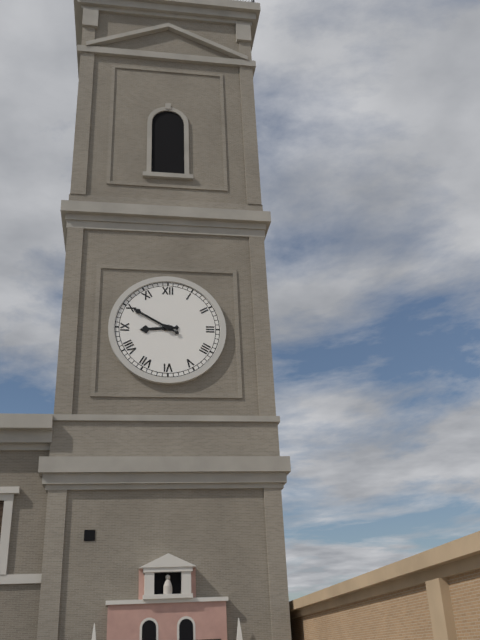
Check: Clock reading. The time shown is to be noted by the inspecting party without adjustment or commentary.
8:50
